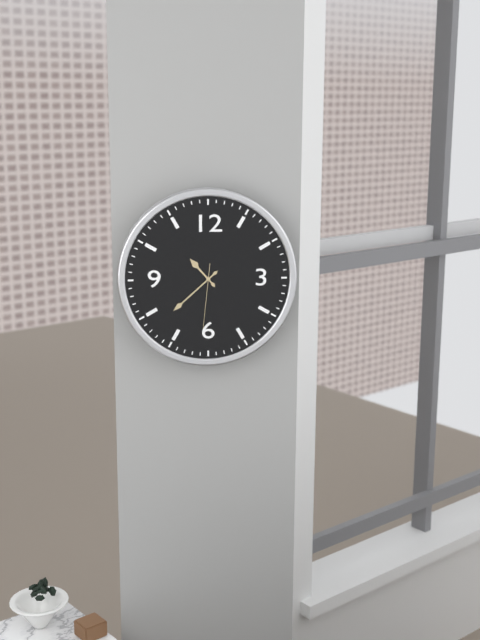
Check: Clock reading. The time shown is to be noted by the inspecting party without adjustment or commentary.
10:38:31
